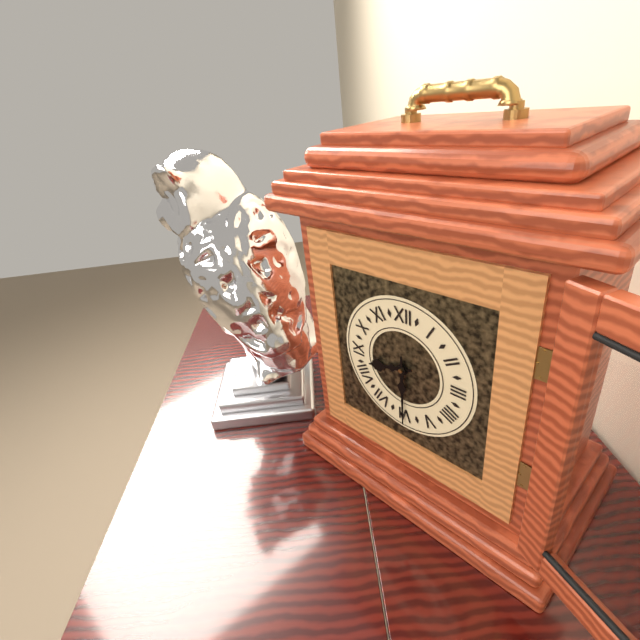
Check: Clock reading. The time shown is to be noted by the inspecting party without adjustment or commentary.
8:30
